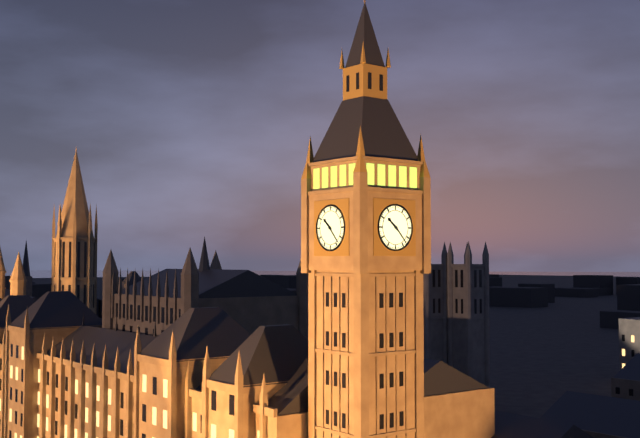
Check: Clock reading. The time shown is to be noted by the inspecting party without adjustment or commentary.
10:23
